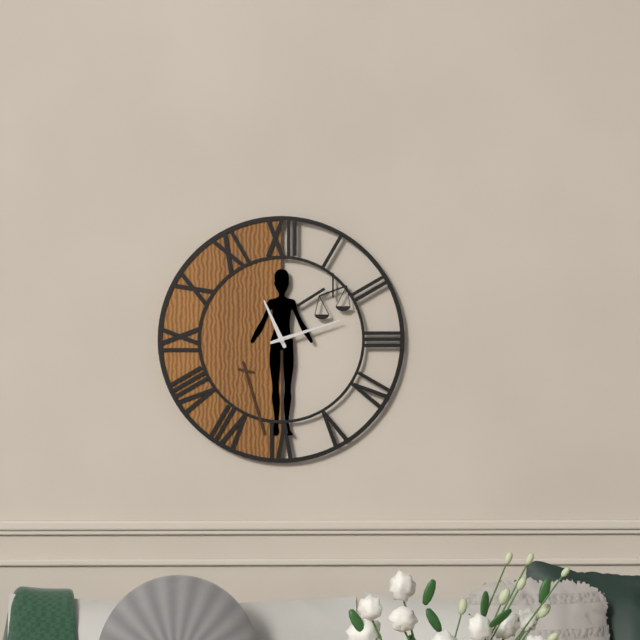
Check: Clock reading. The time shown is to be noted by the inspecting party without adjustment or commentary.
11:12
